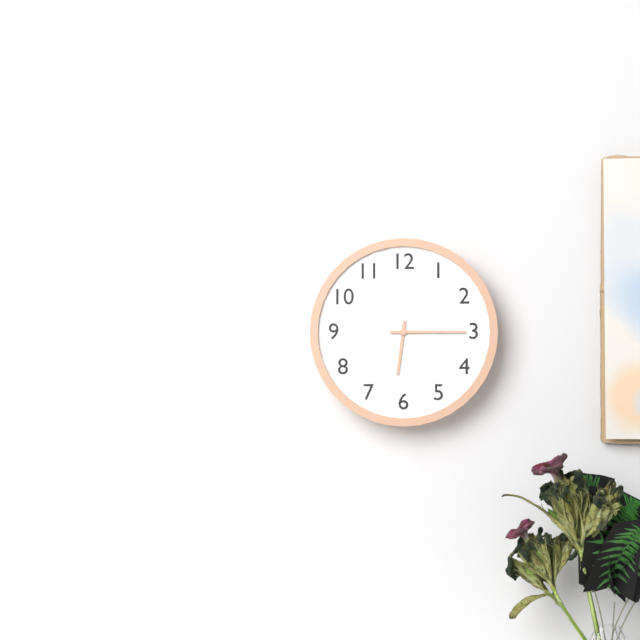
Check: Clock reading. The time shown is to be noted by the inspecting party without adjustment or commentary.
6:15
